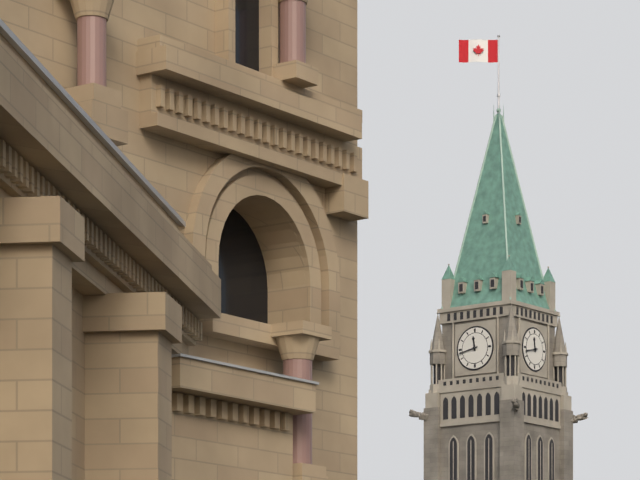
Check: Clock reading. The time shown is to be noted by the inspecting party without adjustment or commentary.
11:43
